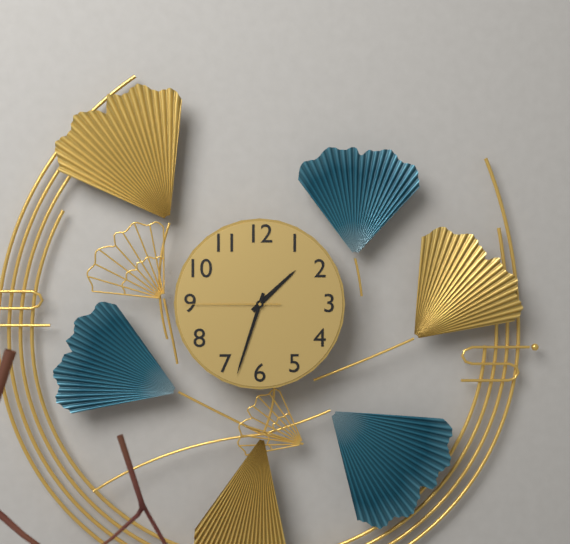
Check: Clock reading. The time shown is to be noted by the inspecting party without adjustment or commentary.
1:33:45
